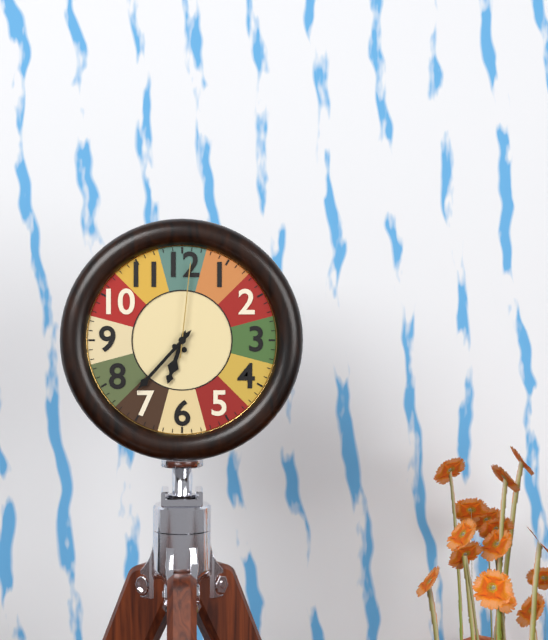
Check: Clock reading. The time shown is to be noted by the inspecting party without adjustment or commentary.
6:37:01
